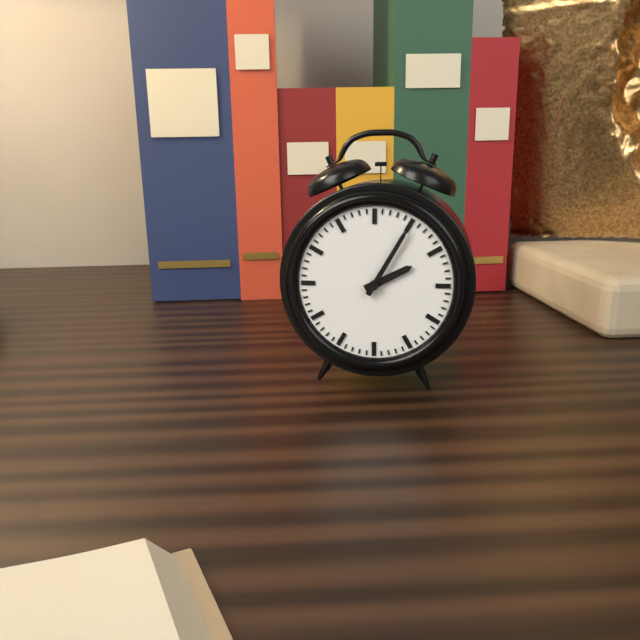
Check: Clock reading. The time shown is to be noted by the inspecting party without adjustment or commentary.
2:05
